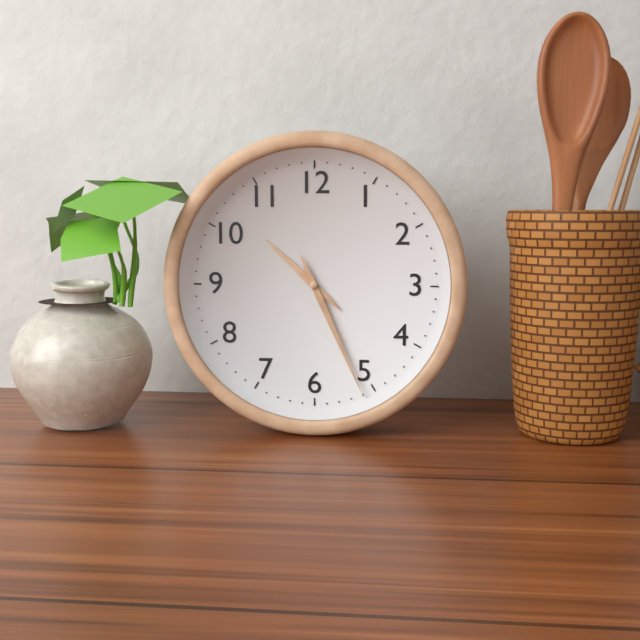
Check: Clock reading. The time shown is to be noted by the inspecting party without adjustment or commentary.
10:26
